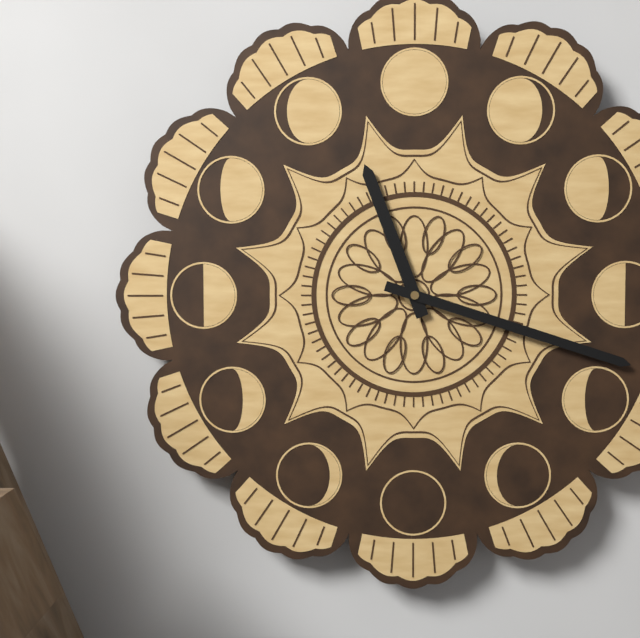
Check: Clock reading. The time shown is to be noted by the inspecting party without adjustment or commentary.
11:18
